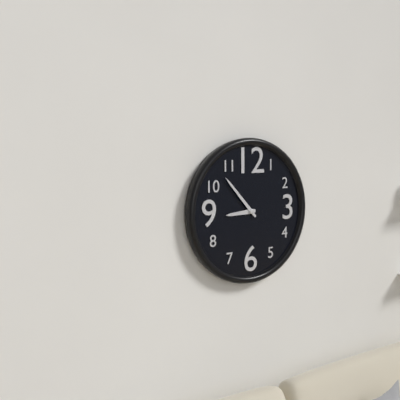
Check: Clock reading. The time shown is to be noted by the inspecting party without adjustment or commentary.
8:53
